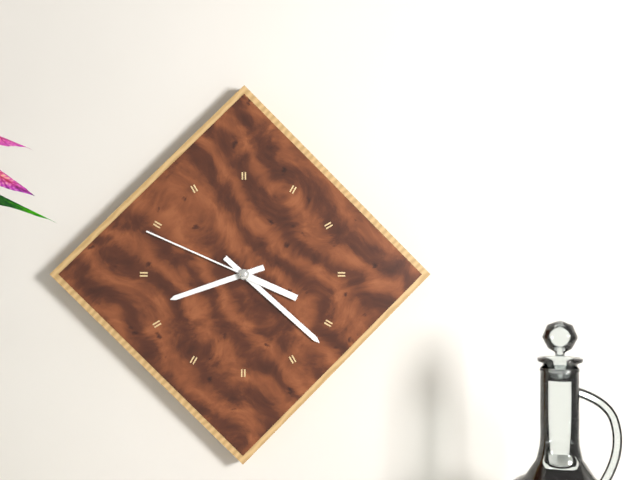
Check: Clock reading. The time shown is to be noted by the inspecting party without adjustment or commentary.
8:22:49
